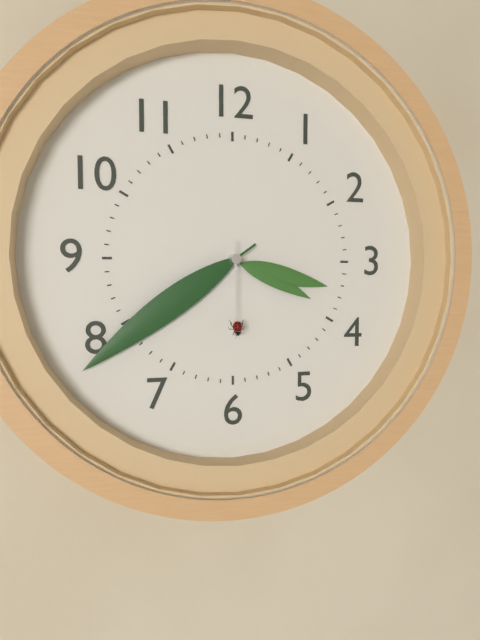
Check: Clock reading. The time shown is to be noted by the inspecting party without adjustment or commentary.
3:39:30
